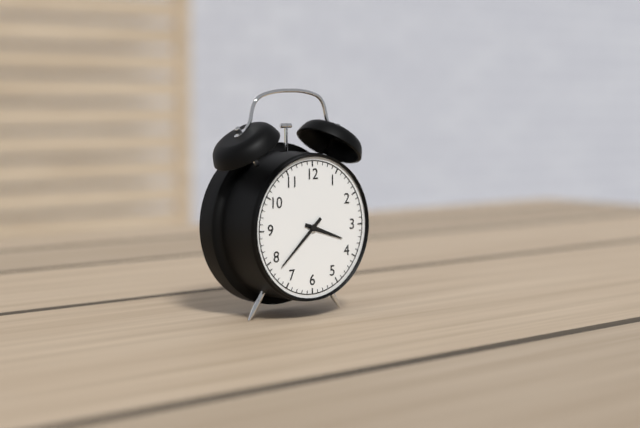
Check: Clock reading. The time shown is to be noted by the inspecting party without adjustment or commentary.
3:38
